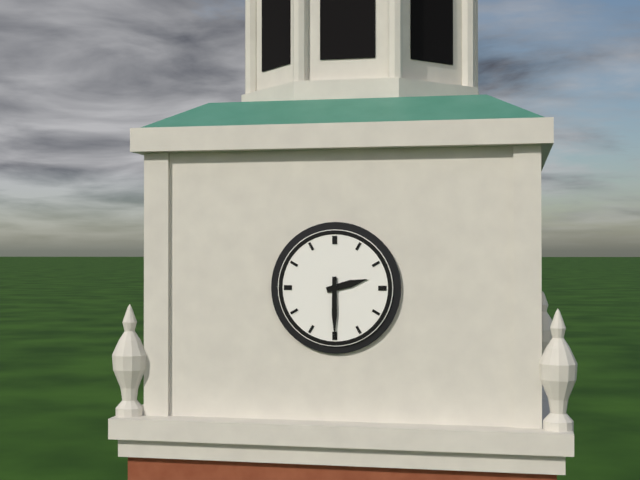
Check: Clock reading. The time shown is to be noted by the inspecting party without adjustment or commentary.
2:30
